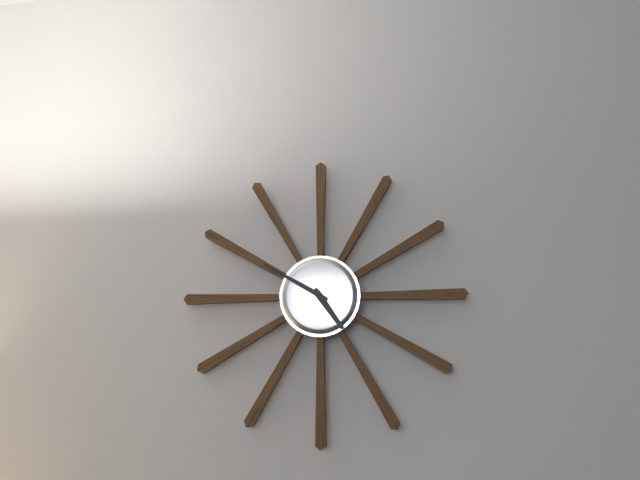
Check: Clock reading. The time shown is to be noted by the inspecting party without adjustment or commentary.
4:50
